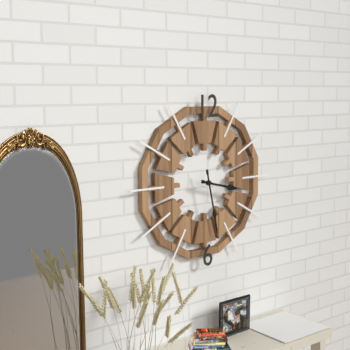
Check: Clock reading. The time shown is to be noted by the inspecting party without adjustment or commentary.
3:28
